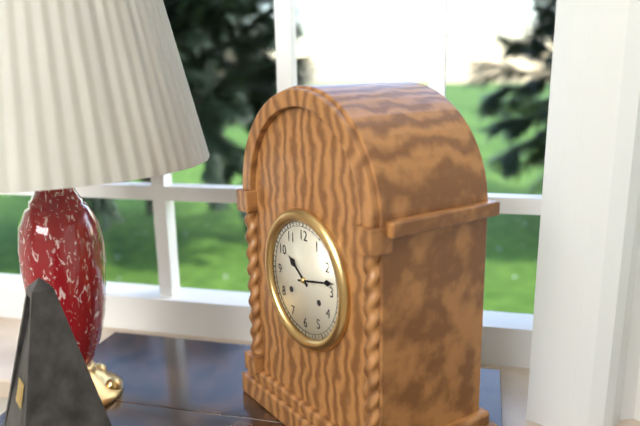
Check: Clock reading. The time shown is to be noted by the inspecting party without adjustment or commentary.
10:13
